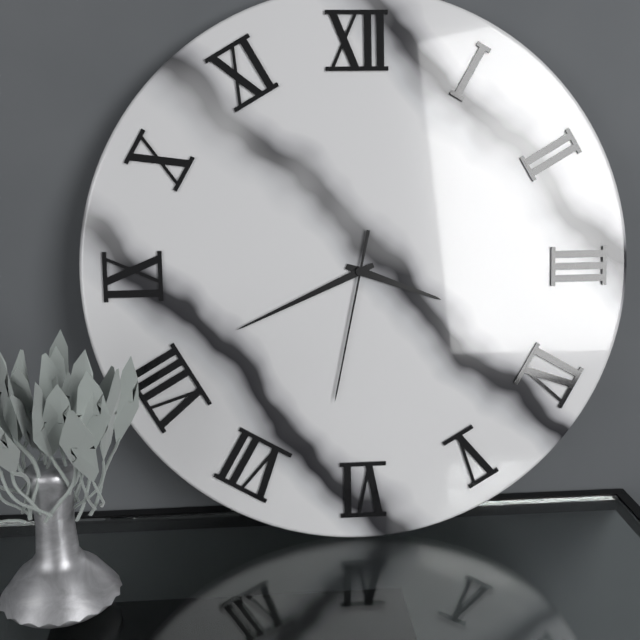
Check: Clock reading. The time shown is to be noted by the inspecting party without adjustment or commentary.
3:41:32
